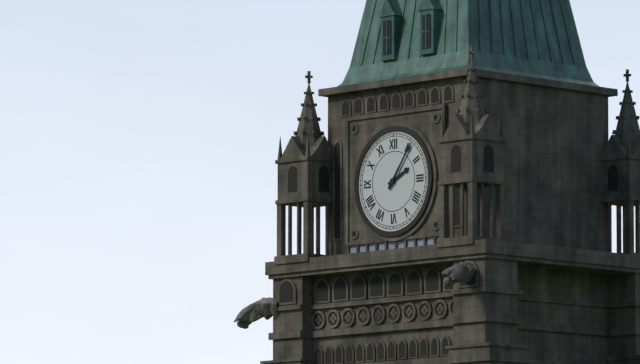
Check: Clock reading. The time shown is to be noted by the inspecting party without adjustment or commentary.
2:06
